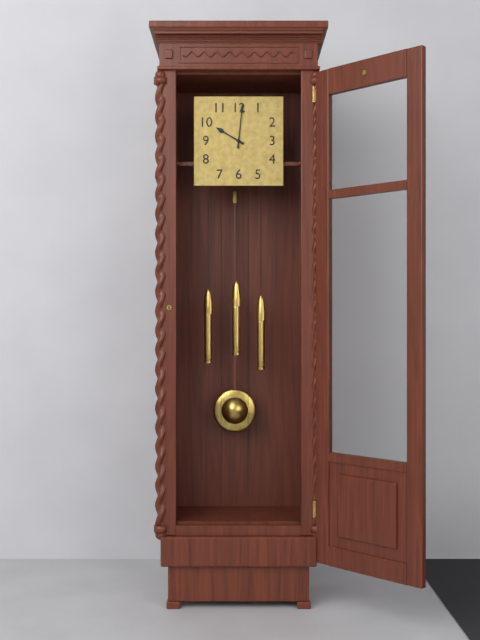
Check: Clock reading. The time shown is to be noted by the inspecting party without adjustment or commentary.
10:01
